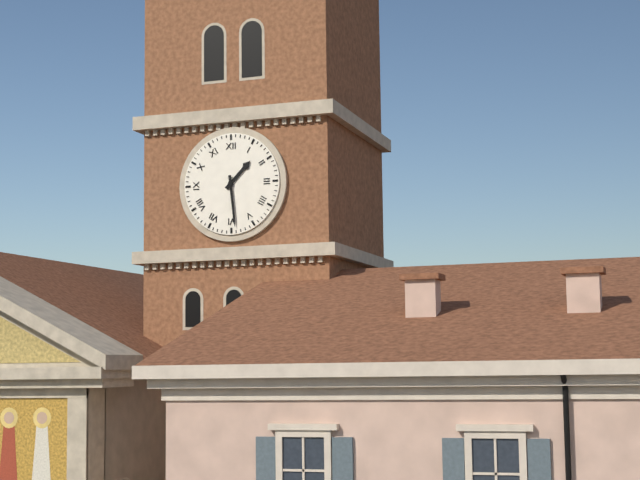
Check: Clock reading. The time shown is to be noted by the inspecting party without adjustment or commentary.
1:29
